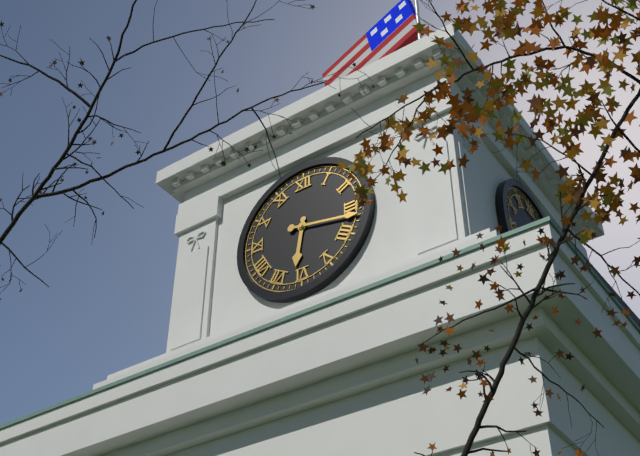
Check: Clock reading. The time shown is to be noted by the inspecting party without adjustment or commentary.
6:17
